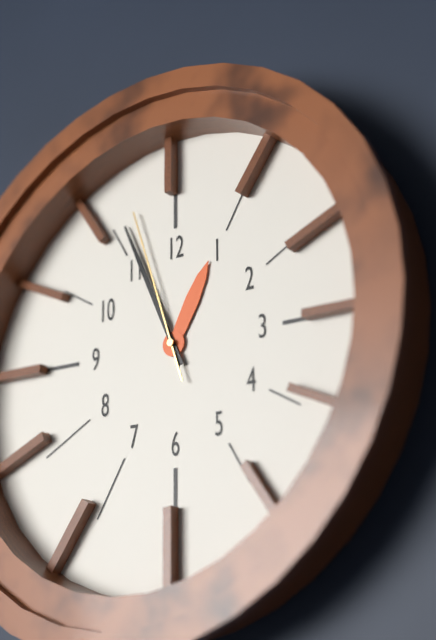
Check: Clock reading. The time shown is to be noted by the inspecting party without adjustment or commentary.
12:56:57
